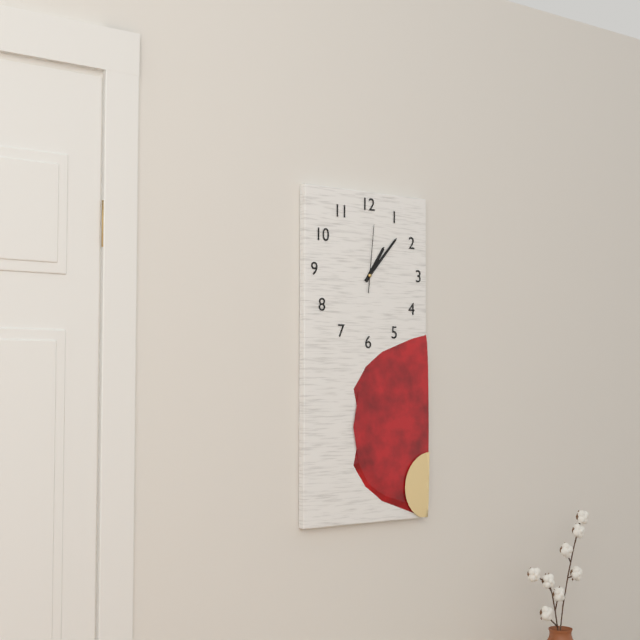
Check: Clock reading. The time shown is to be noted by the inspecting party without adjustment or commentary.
1:07:01
